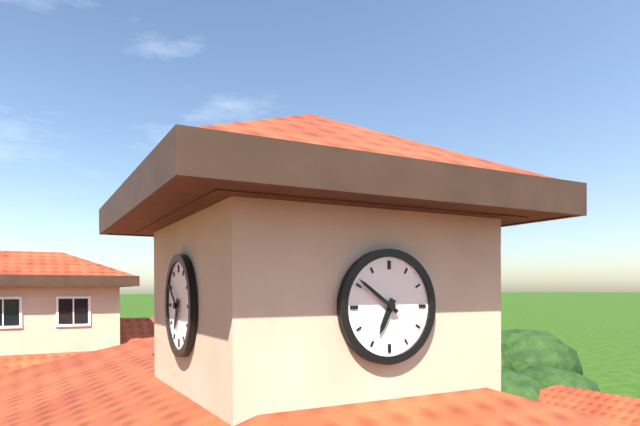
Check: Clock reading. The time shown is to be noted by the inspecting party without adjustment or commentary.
6:51
